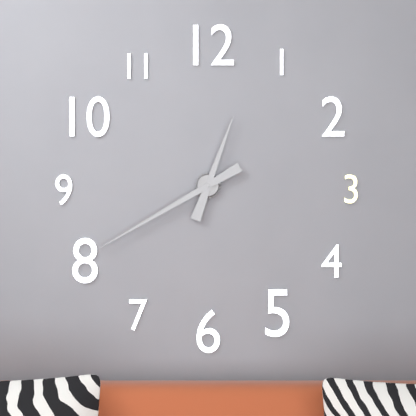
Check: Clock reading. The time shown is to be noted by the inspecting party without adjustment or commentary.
12:40
